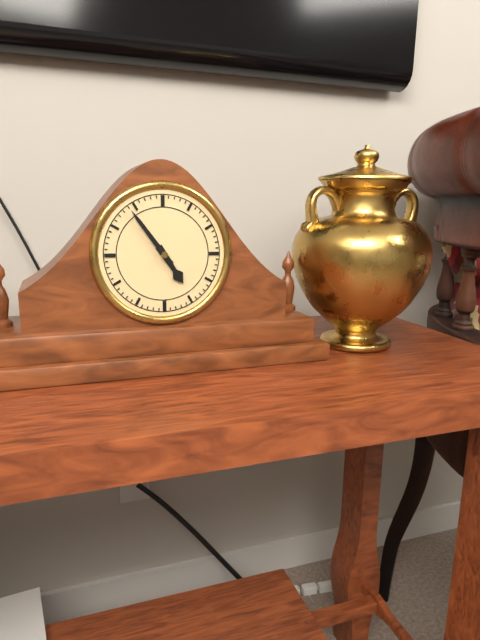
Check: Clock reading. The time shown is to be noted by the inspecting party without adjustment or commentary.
4:54
